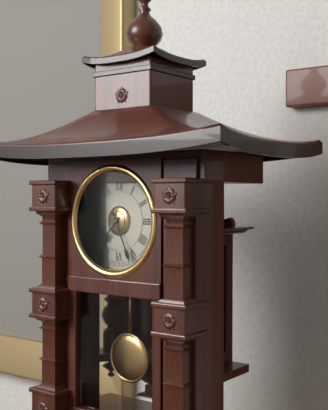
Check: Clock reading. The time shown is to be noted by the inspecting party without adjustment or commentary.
7:26
